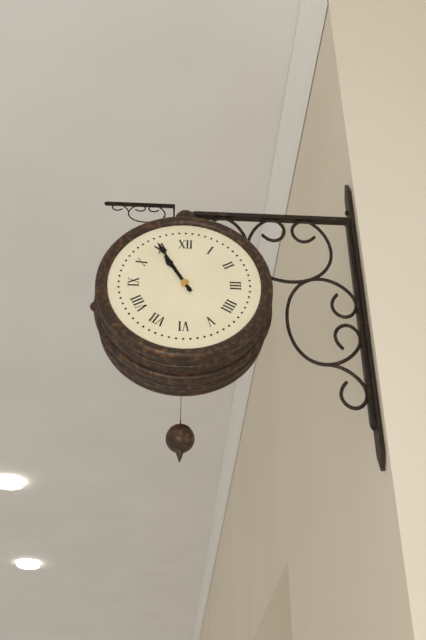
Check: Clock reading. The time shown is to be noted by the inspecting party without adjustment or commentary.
10:55
